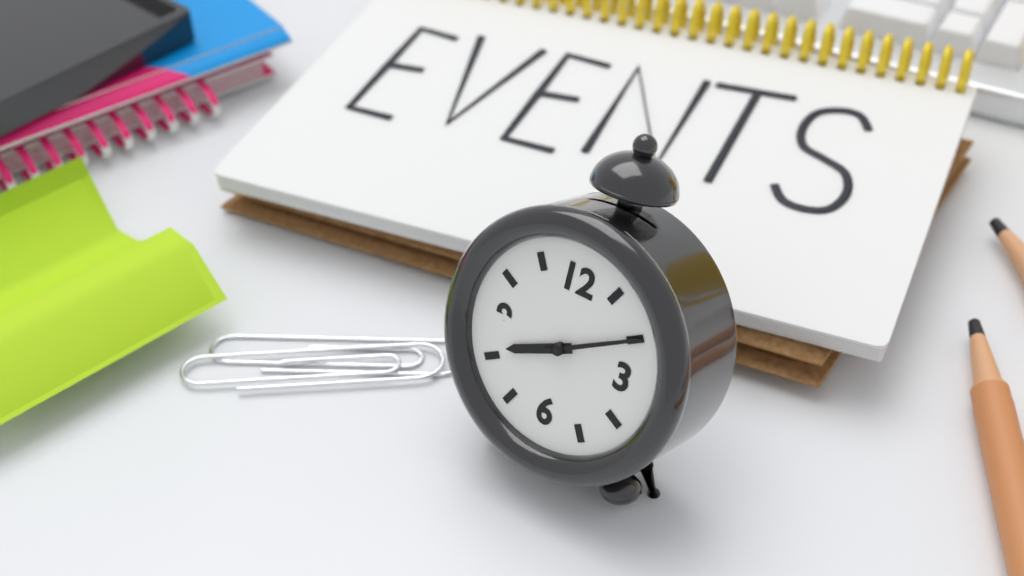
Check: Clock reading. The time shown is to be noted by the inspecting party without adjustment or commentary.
8:10
